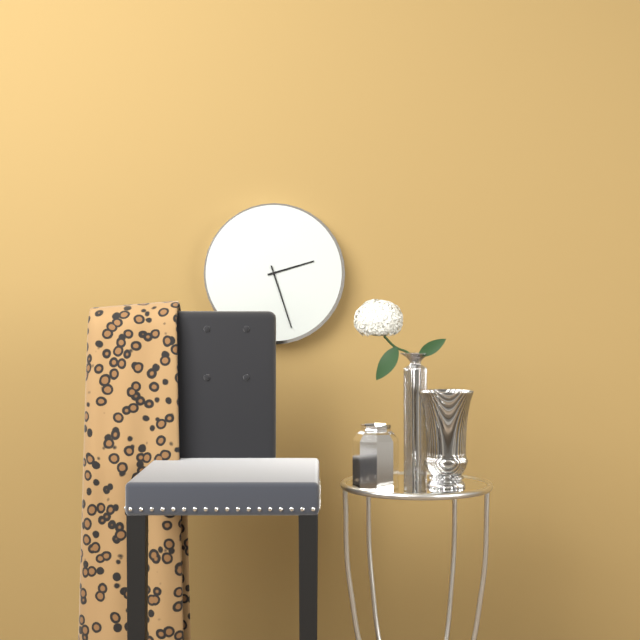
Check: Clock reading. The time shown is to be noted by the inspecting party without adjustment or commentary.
2:27
